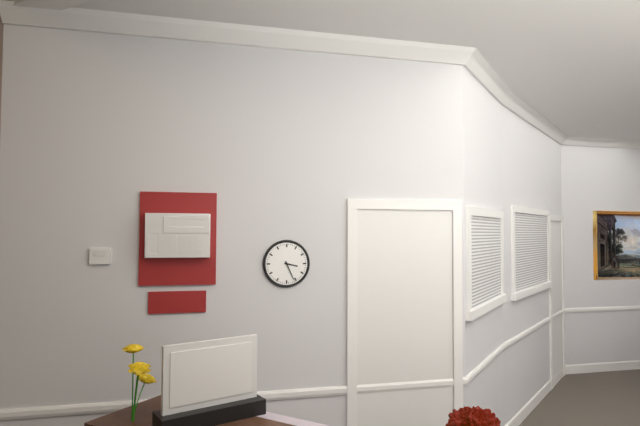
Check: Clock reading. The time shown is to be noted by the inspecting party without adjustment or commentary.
3:26
